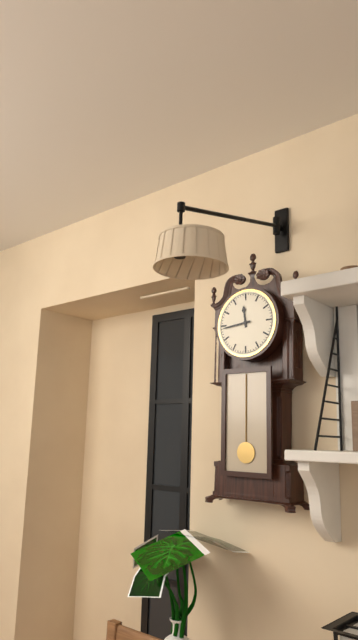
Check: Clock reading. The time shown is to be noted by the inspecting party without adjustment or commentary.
11:44
